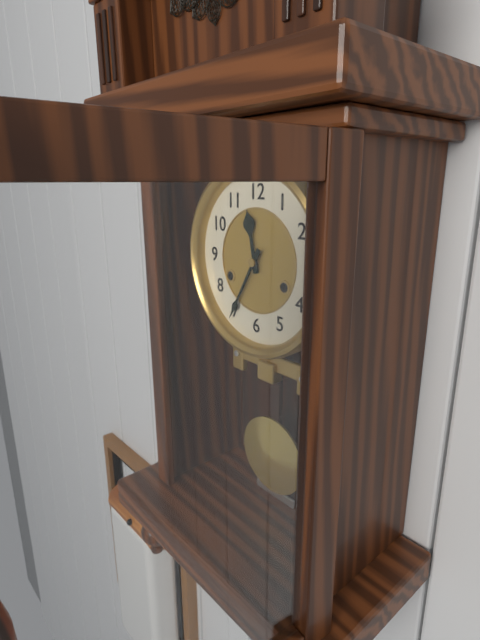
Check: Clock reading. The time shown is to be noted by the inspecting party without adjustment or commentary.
11:35
